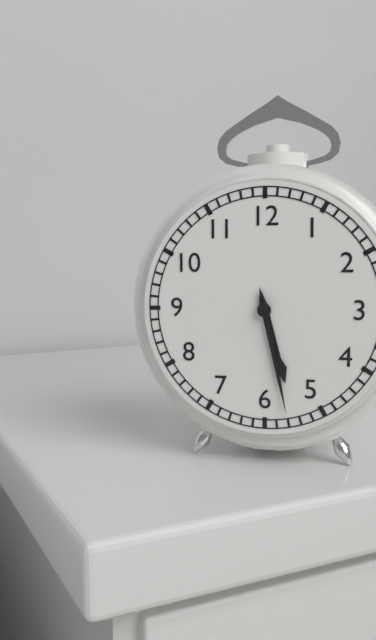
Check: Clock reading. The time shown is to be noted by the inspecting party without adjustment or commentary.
5:28
